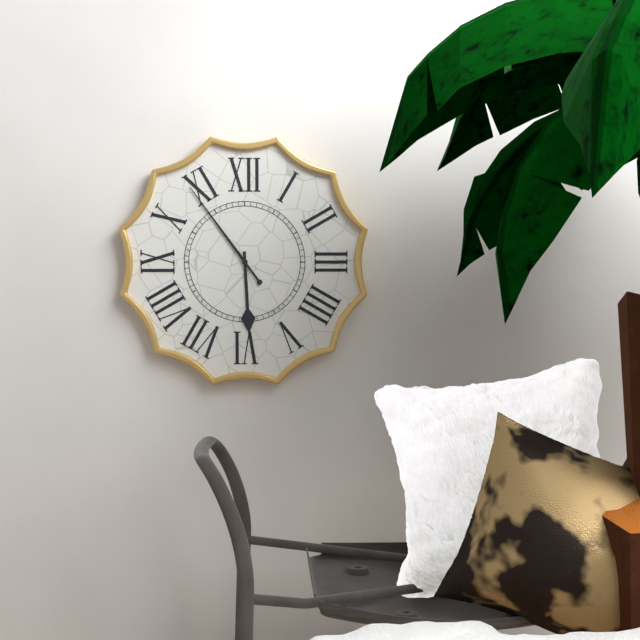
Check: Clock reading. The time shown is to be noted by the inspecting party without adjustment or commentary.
5:54
